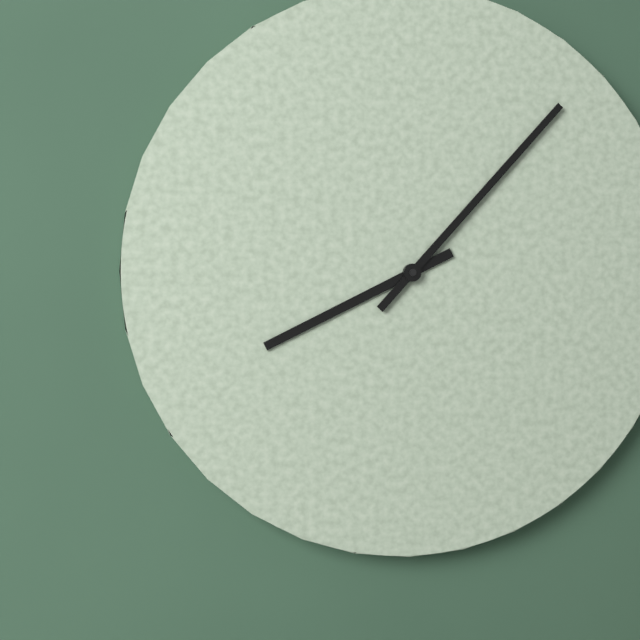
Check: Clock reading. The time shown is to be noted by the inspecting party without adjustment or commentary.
8:07
